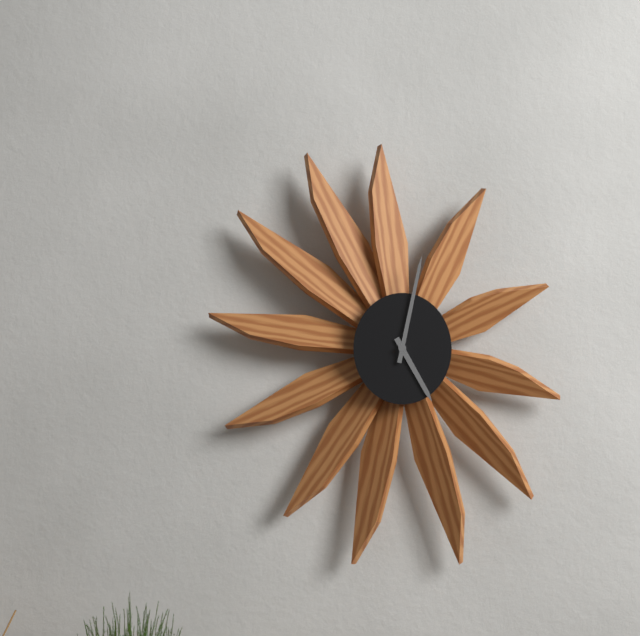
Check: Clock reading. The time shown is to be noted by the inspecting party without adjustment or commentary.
5:02
